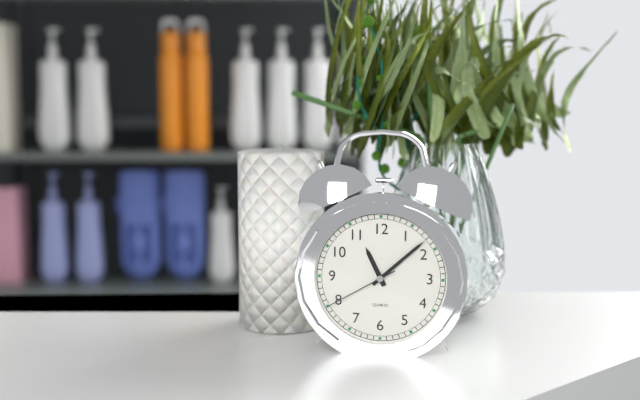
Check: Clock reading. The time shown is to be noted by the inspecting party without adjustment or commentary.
11:08:40
